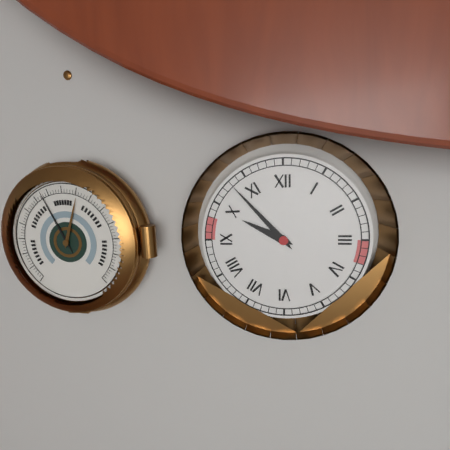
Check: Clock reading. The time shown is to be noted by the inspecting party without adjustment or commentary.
9:53
